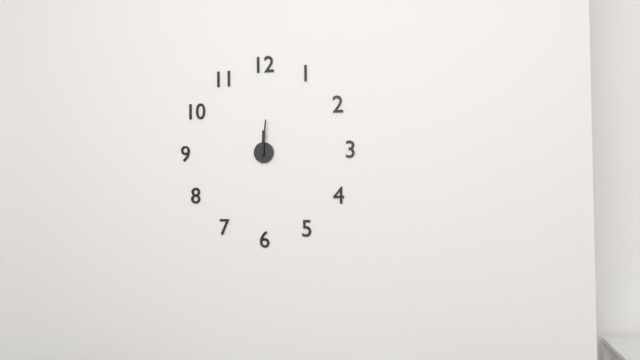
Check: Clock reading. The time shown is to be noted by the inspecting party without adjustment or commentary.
12:01
